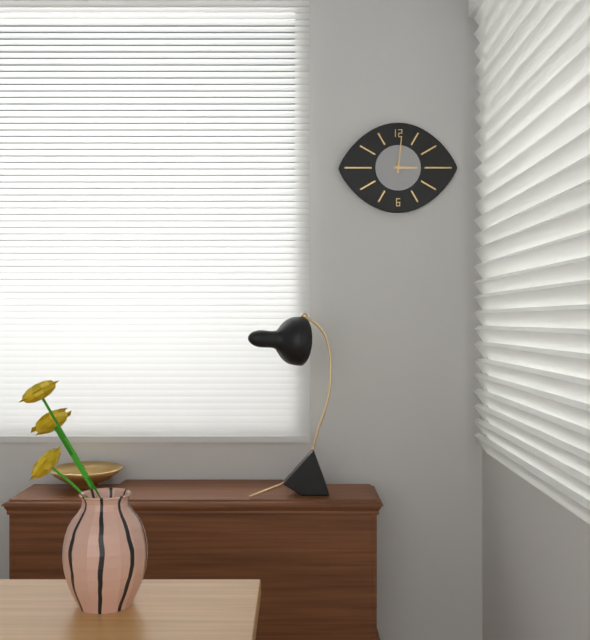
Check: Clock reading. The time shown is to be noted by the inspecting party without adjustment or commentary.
3:01
